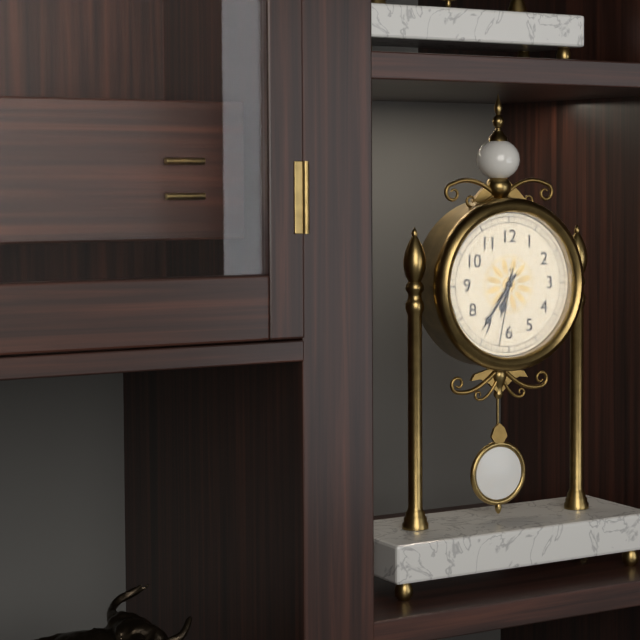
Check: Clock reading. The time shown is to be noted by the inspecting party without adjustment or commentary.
6:36:32
